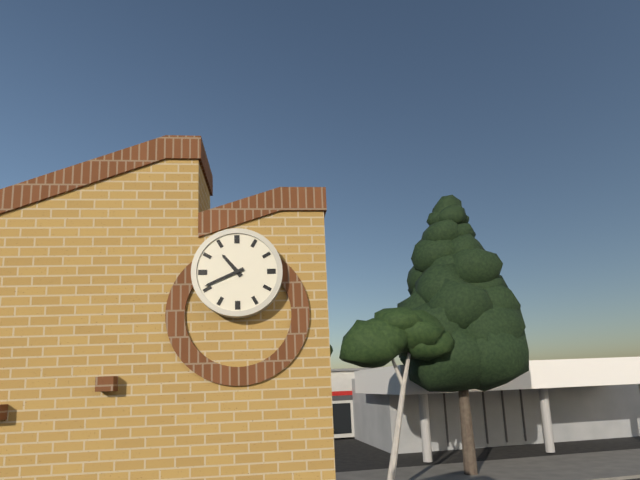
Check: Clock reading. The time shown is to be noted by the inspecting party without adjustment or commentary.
10:41
